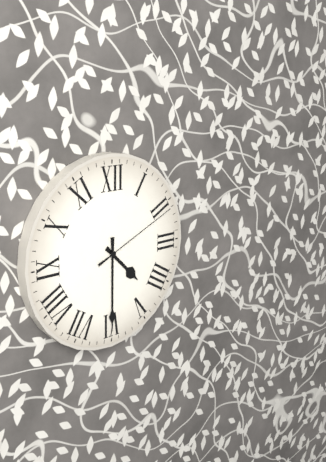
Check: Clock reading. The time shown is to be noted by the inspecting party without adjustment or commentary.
4:30:11
